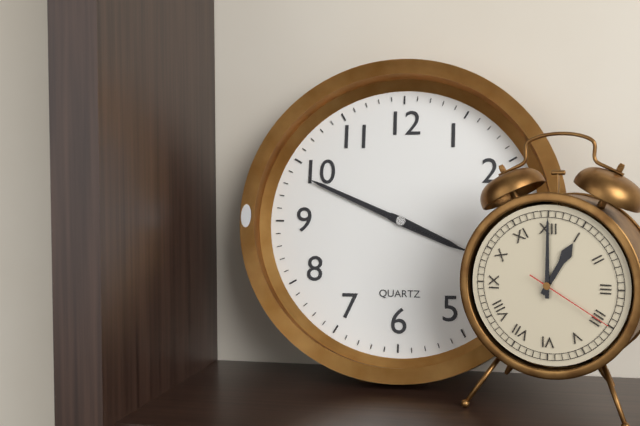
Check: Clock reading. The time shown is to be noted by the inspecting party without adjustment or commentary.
3:49:19
